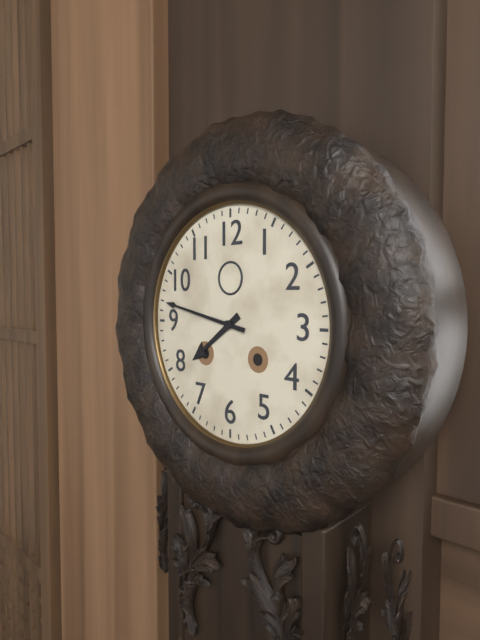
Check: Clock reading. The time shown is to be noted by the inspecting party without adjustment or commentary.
7:47
